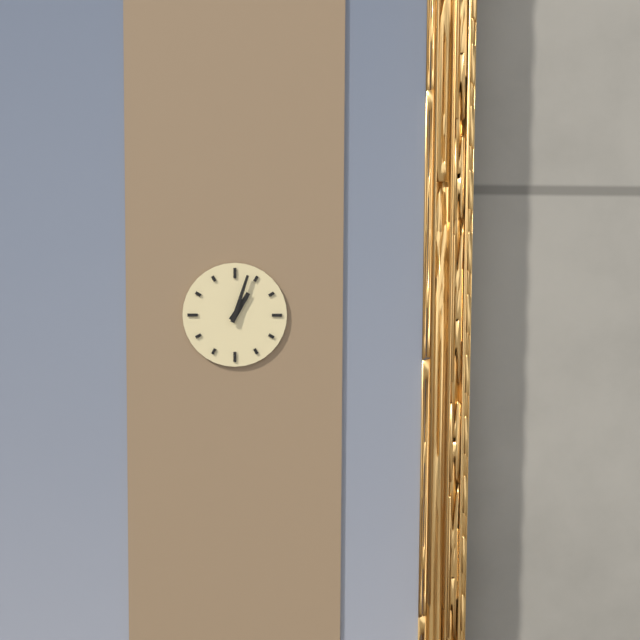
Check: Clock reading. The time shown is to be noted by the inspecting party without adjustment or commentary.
1:03
